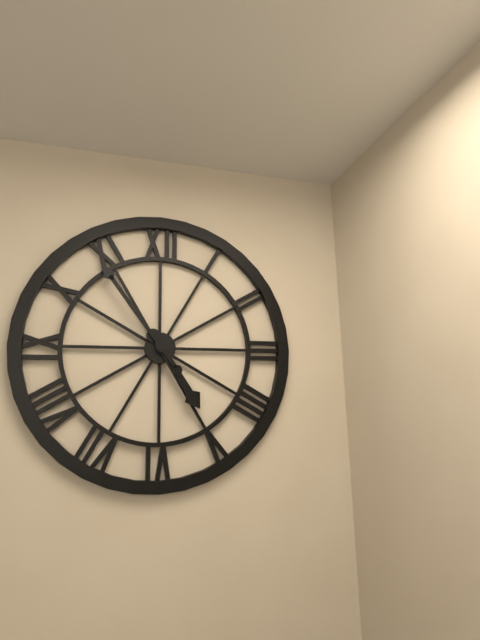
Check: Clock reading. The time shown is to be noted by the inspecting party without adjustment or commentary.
4:54
